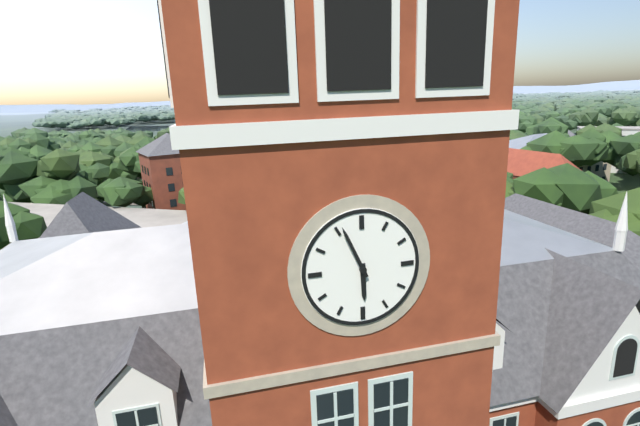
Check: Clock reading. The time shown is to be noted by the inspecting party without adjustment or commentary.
5:56
